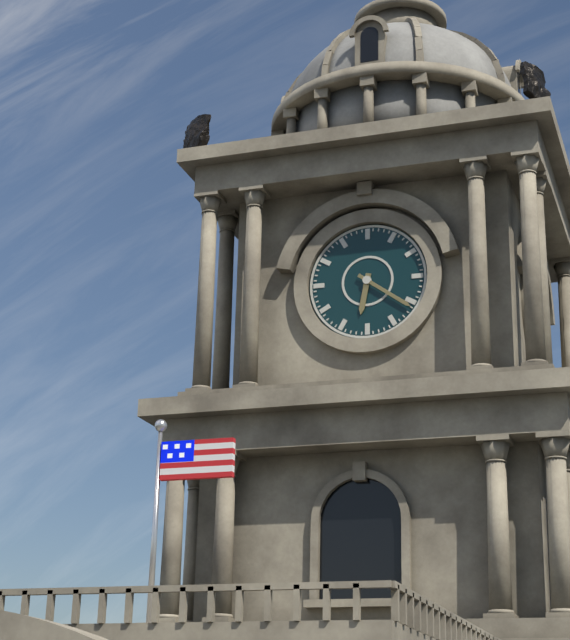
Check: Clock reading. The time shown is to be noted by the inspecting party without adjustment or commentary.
6:21
